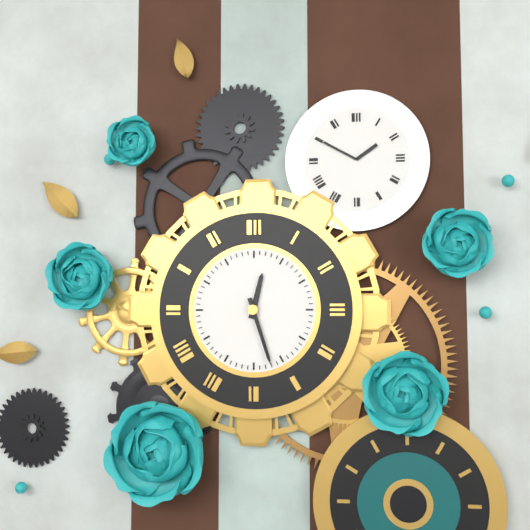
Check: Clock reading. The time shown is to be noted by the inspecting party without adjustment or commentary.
12:27
